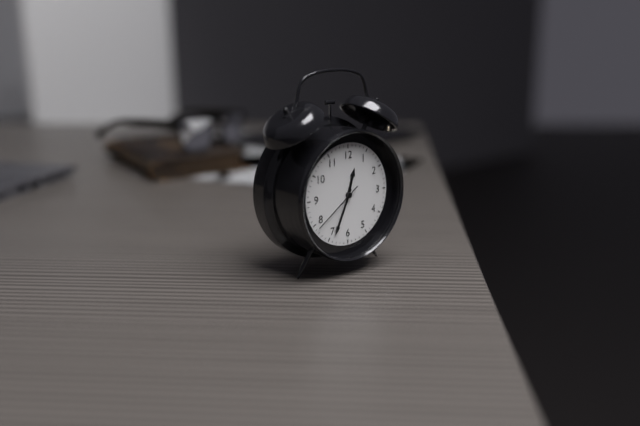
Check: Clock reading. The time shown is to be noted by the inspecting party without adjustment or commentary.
12:34:39
